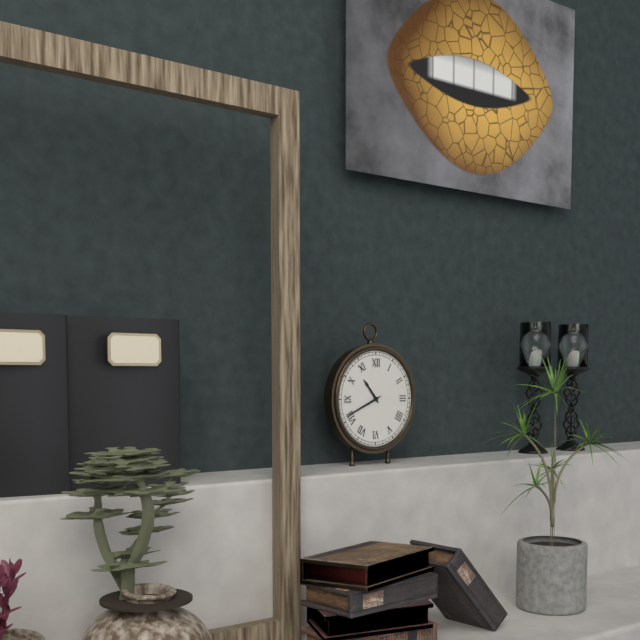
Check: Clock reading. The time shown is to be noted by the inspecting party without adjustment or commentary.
10:41
